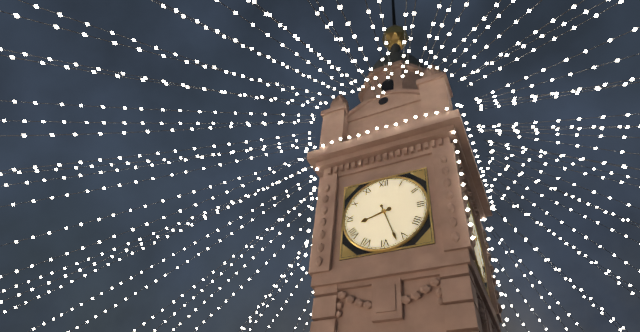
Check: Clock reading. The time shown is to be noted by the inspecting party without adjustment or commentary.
8:27
